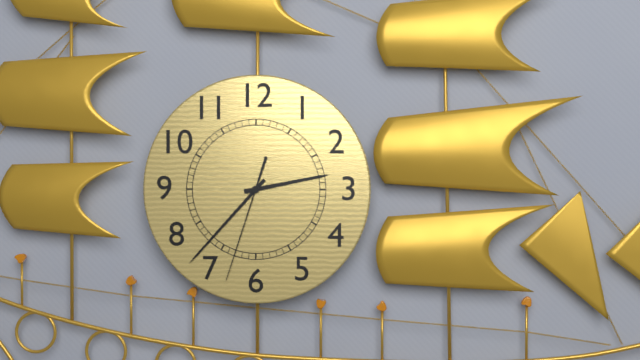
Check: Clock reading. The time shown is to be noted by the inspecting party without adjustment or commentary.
2:37:33
